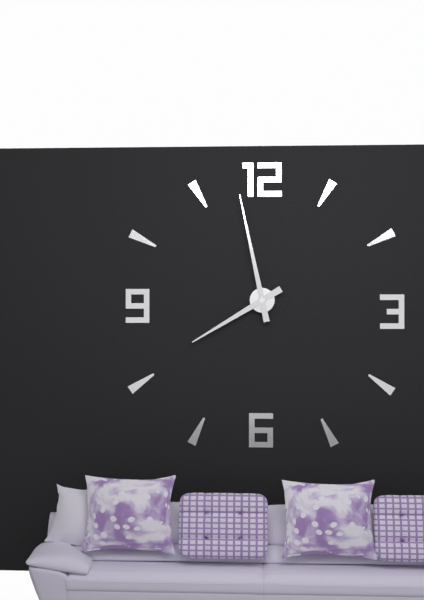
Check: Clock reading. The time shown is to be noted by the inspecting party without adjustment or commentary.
7:58
